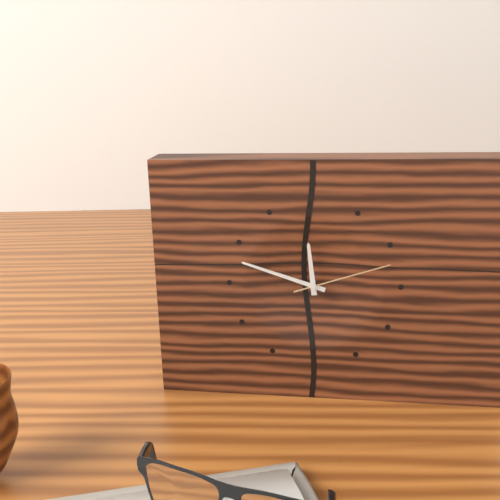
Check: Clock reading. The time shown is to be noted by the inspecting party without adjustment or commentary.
11:48:12
